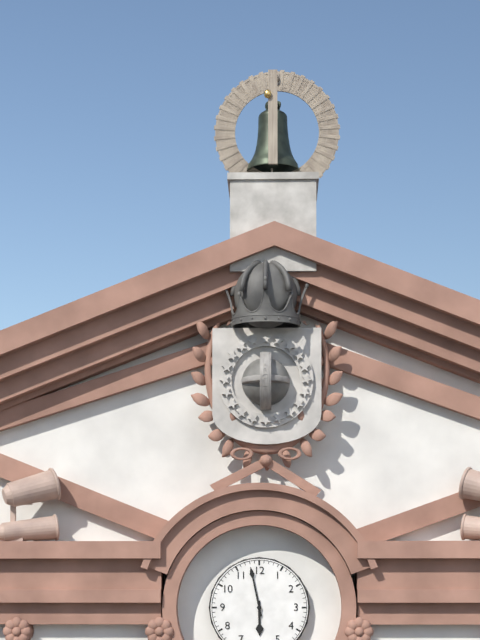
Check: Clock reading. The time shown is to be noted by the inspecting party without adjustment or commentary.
5:58
